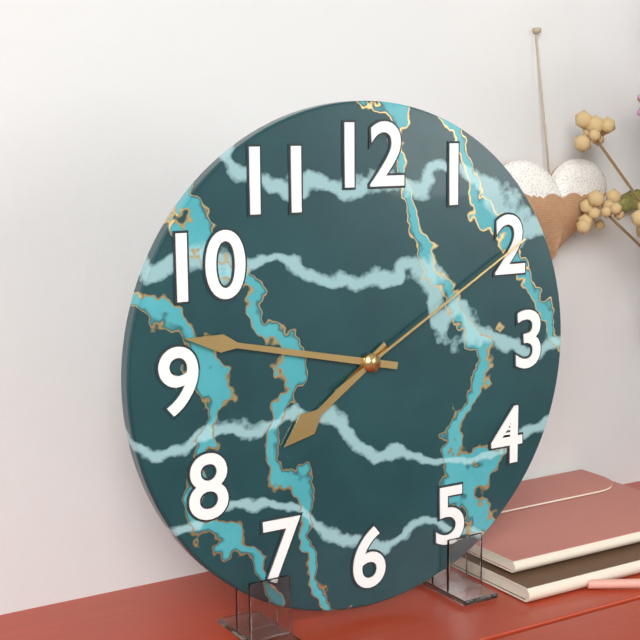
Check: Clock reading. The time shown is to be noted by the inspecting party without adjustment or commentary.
7:47:10
